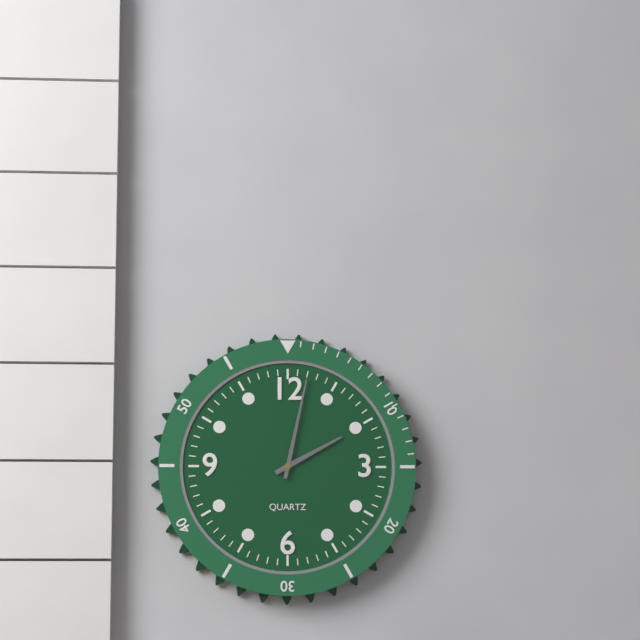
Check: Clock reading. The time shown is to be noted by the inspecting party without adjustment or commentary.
2:02
